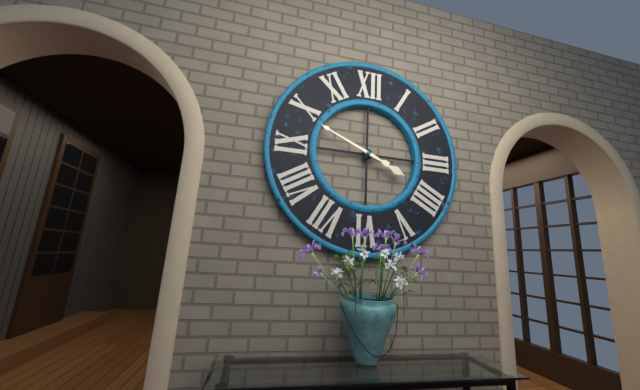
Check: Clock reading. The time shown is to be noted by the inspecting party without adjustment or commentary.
3:49
